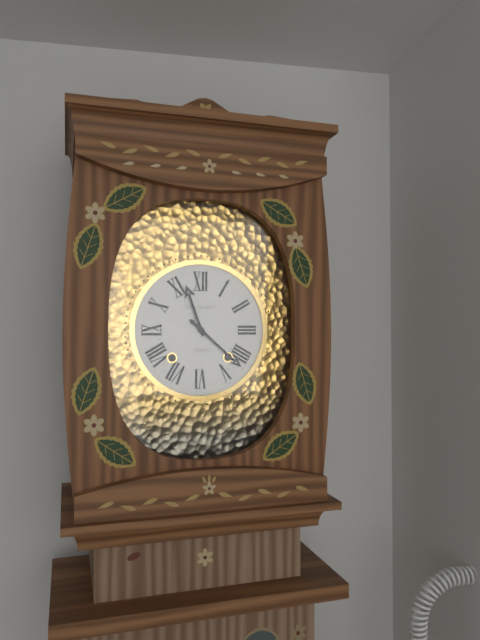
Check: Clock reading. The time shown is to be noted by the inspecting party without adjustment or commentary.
11:22
